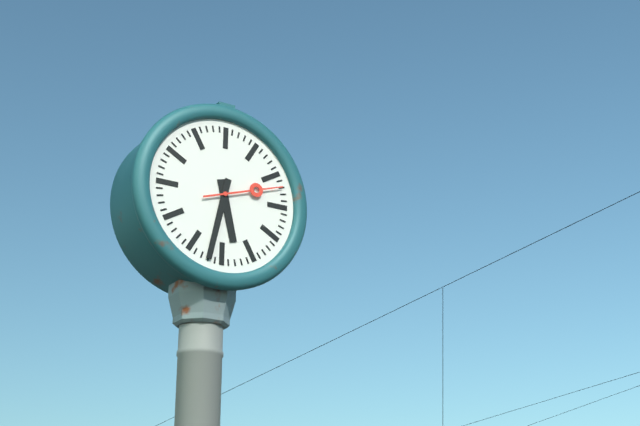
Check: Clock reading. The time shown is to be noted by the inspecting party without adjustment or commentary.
5:32:12
